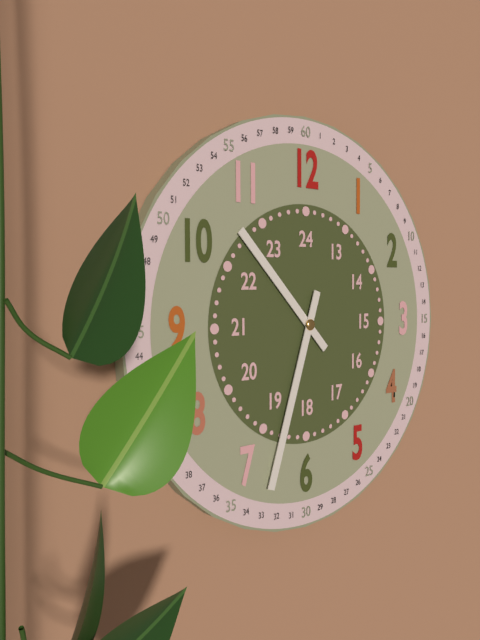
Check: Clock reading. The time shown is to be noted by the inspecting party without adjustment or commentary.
10:33
